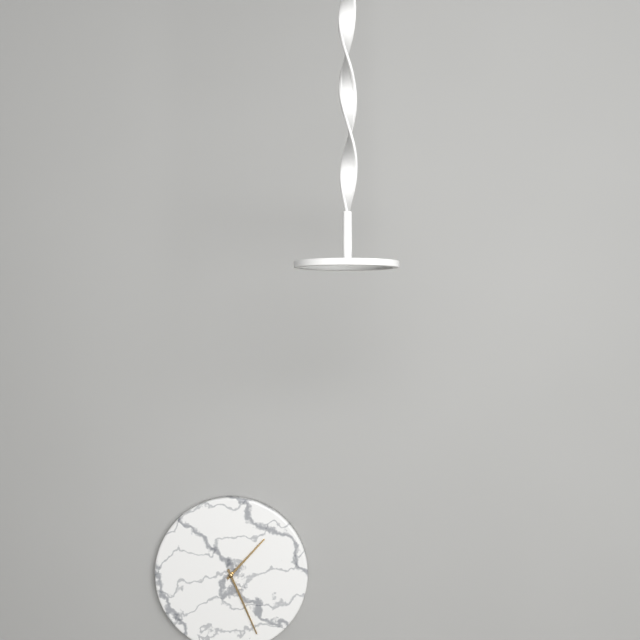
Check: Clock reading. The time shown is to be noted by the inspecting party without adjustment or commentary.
1:26
